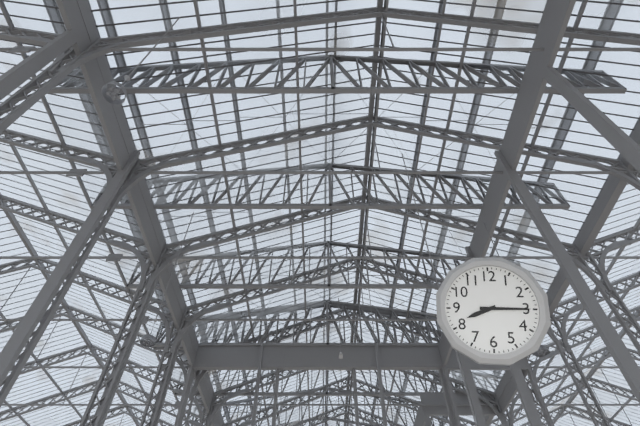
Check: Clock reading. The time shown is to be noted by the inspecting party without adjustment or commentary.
8:15
